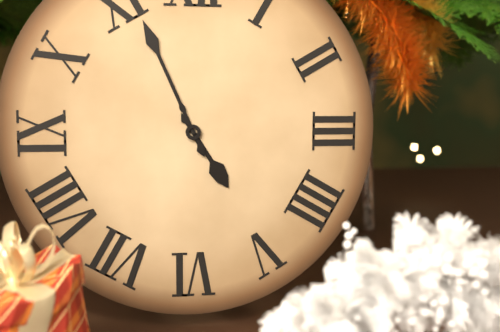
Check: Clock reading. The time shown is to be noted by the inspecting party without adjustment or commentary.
4:56
